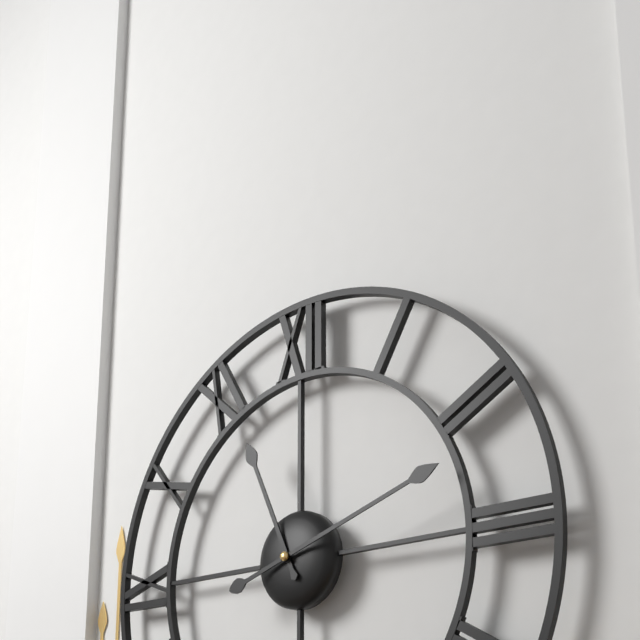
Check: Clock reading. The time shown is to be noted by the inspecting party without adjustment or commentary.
11:12
